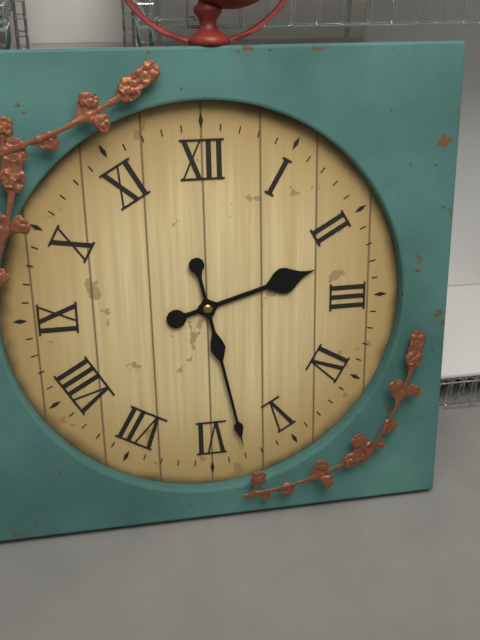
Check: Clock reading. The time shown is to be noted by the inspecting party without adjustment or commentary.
2:28
